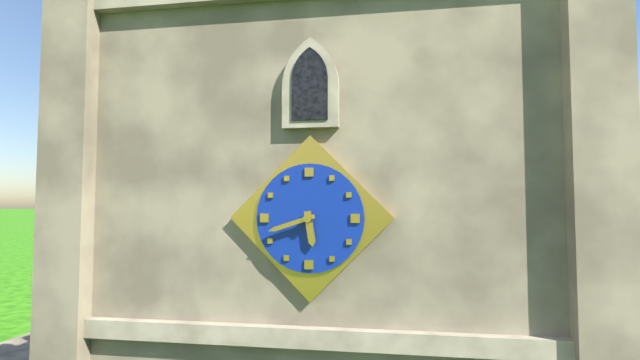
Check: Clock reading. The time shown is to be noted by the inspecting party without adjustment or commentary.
5:42
